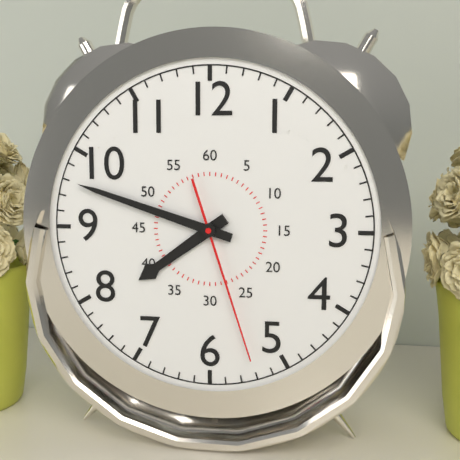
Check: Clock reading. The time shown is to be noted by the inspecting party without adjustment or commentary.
7:48:27
